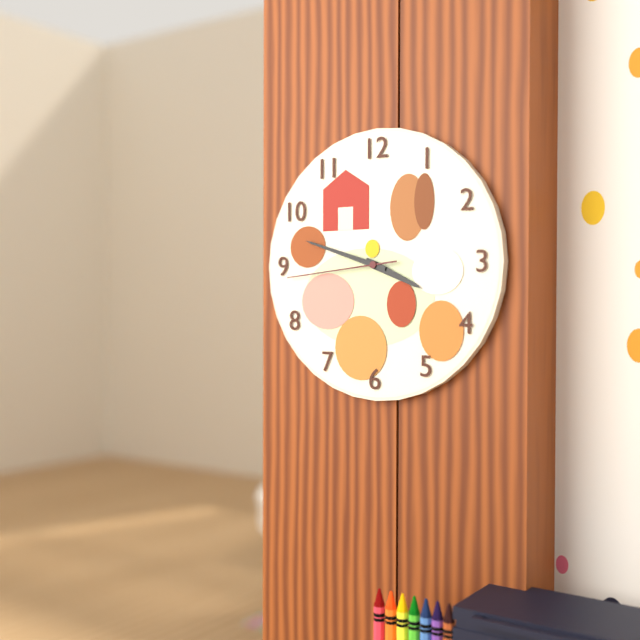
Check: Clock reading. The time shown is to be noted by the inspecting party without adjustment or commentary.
3:48:44
